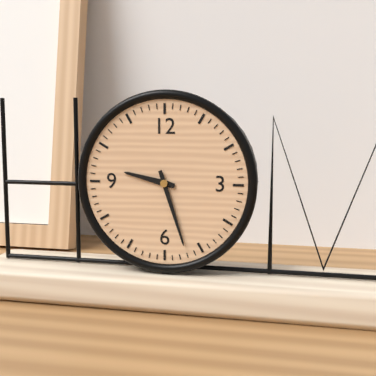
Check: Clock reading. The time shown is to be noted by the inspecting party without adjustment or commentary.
9:27
